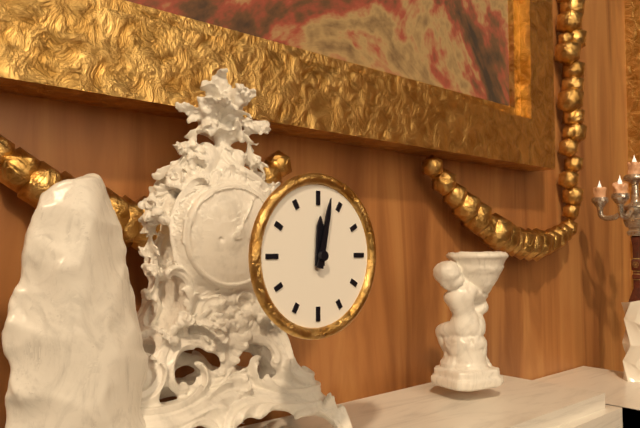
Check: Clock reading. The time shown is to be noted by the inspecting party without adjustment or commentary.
12:02
